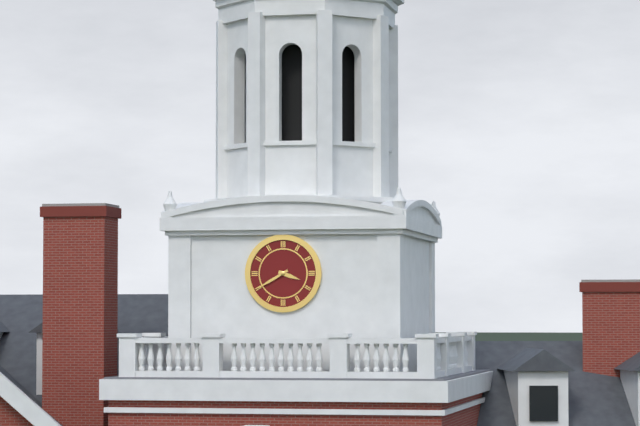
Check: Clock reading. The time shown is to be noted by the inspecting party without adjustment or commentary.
3:40
